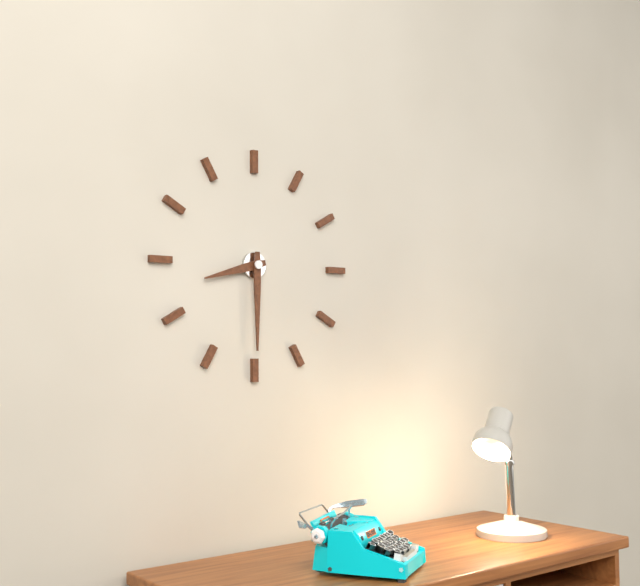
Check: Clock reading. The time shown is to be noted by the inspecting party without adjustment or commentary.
8:30
